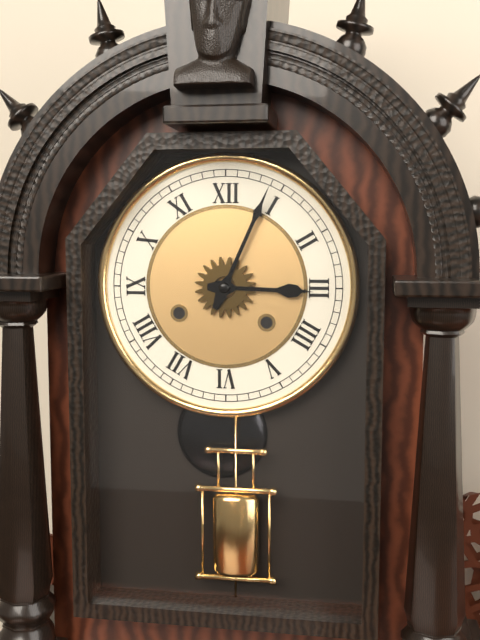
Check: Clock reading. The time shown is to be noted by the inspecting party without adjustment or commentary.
3:04
